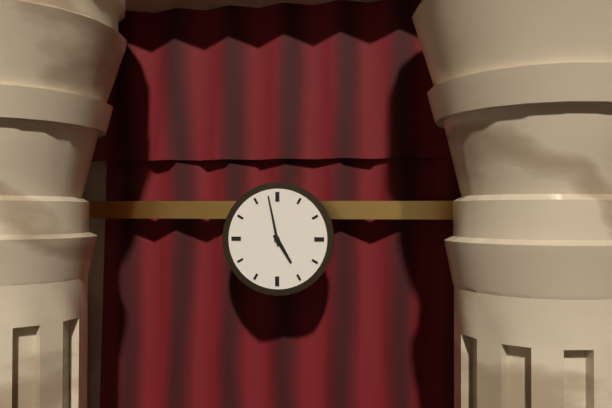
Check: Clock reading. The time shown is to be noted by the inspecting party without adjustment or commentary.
4:58
